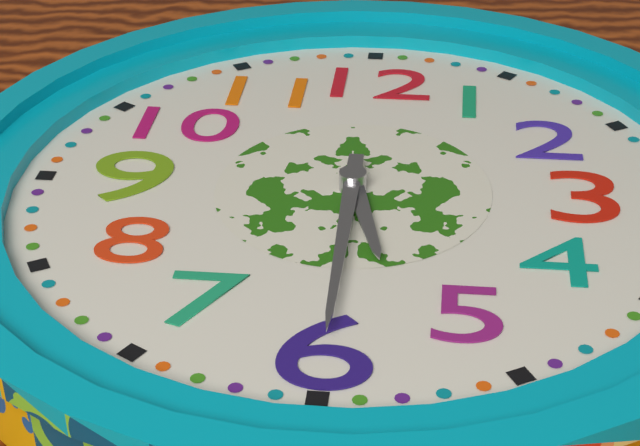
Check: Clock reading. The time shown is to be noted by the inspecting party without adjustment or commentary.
5:30
